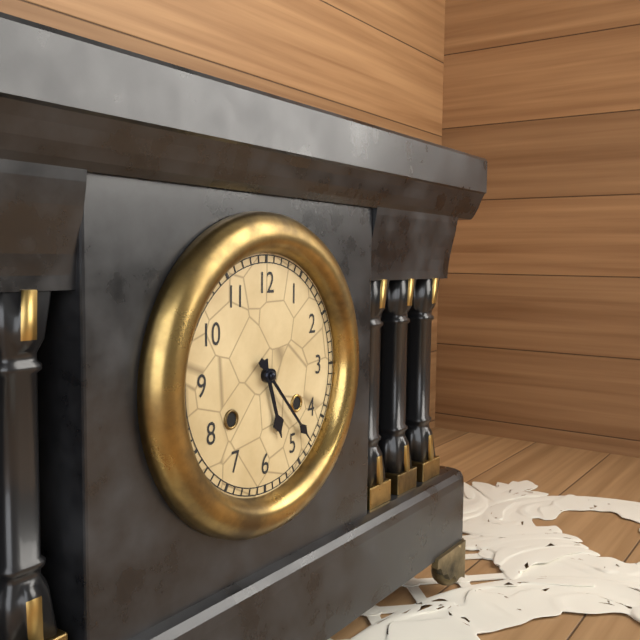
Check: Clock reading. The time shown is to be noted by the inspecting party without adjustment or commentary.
5:23
